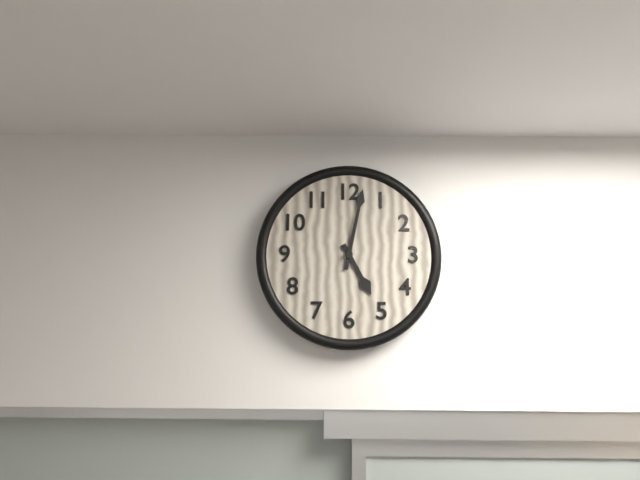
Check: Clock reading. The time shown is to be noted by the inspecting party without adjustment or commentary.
5:02
